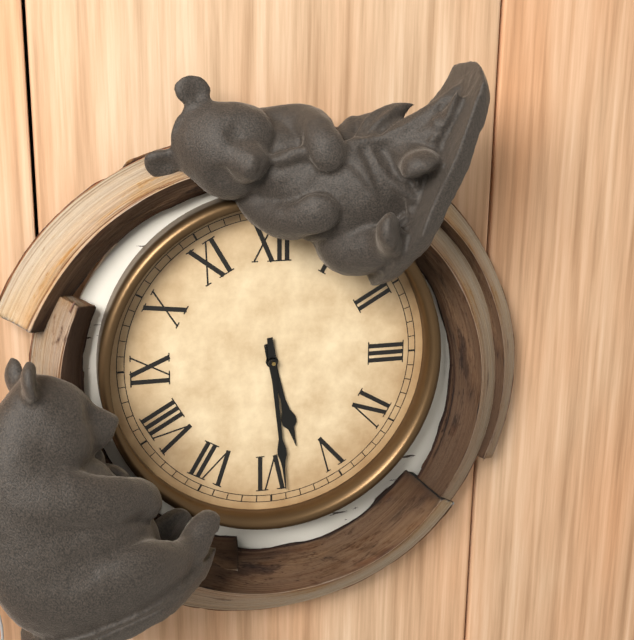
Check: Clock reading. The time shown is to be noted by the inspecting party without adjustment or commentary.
5:29
